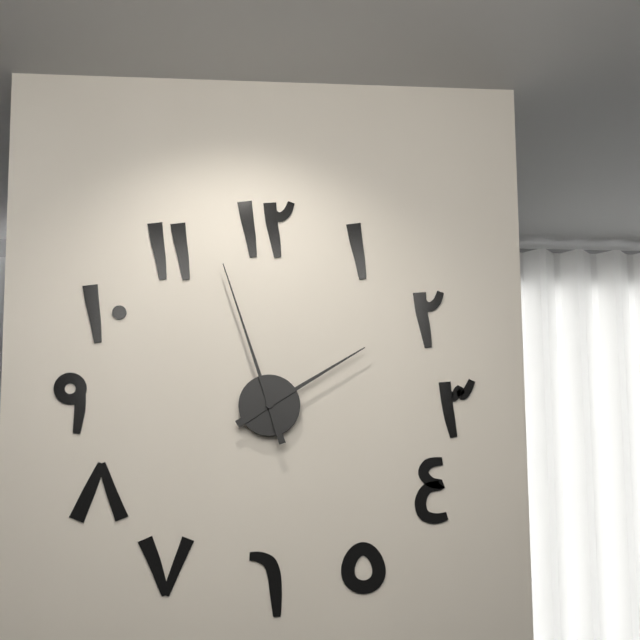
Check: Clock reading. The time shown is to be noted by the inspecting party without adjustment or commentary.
1:57
